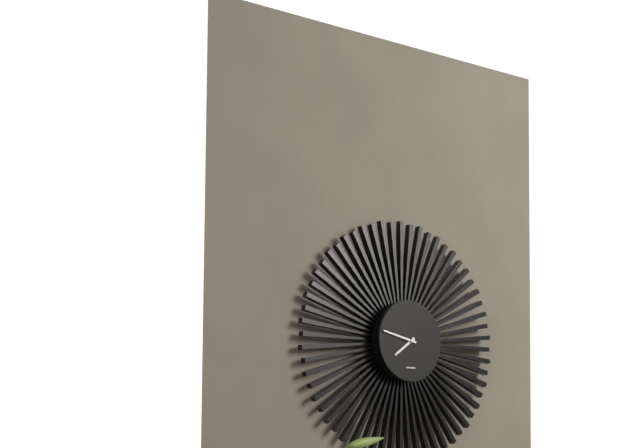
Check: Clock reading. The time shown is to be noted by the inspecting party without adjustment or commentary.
7:47
